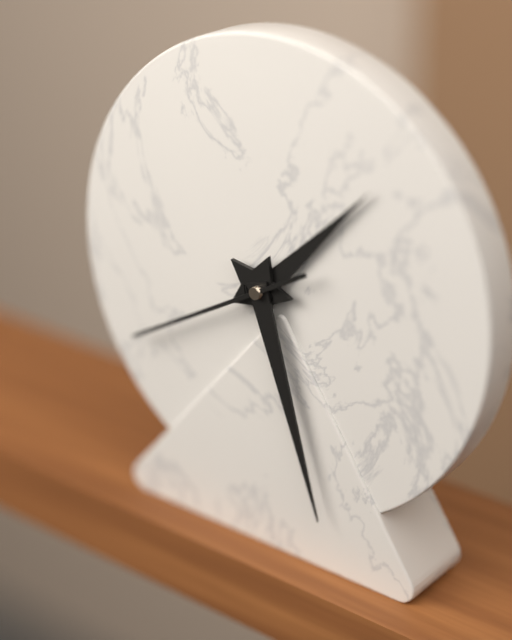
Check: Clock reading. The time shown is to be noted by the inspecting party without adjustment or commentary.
1:27:40
